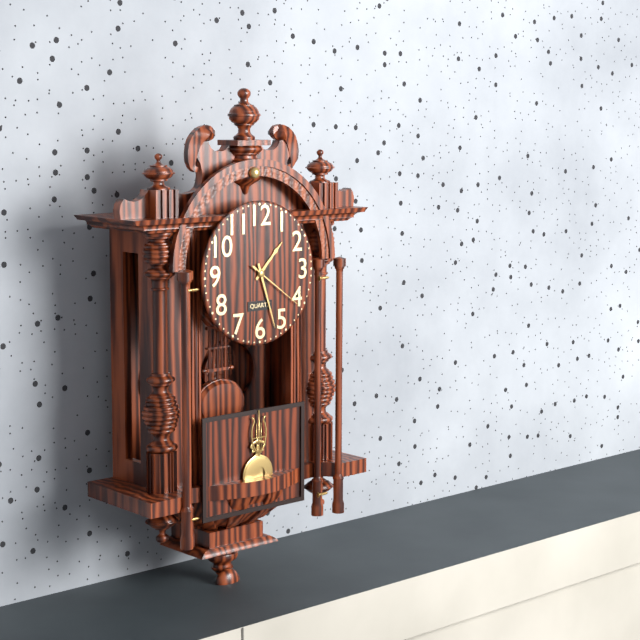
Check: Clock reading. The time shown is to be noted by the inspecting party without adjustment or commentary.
1:27:21
